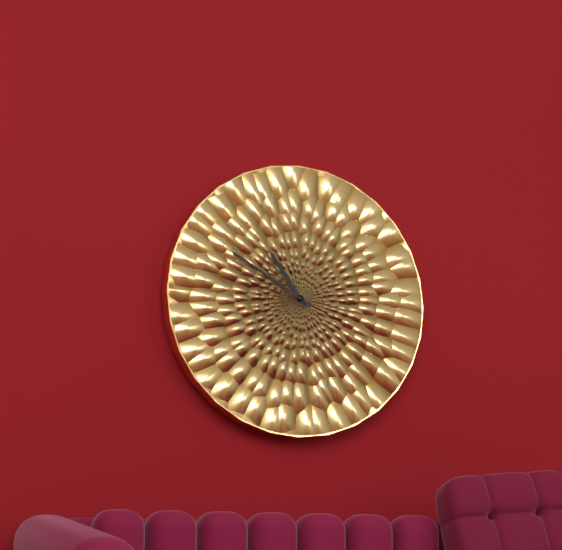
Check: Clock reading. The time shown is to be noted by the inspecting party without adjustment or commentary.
10:50
